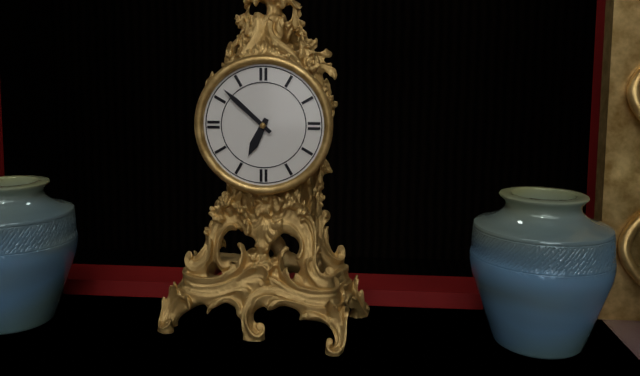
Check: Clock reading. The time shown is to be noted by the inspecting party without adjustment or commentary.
6:52
